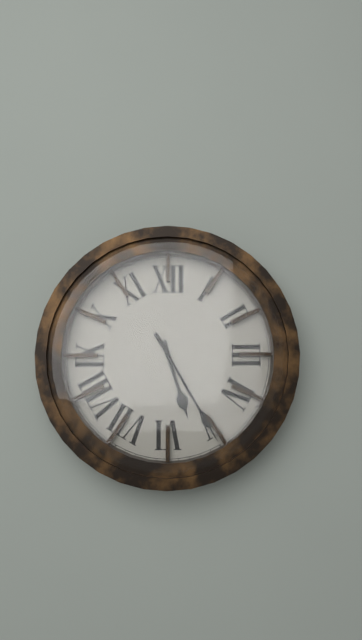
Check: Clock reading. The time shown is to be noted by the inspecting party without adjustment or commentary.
5:25
